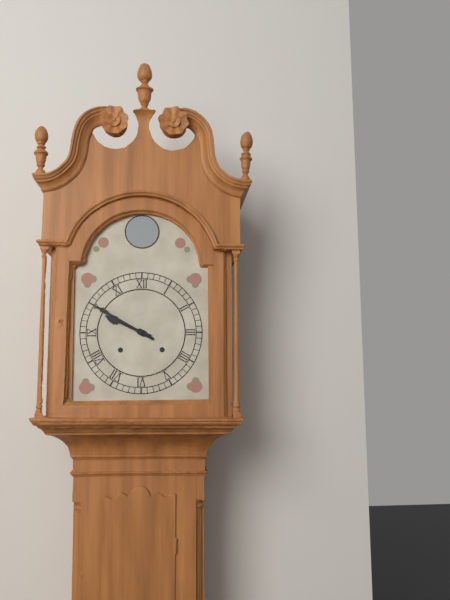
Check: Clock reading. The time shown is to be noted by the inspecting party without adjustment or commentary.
9:50
